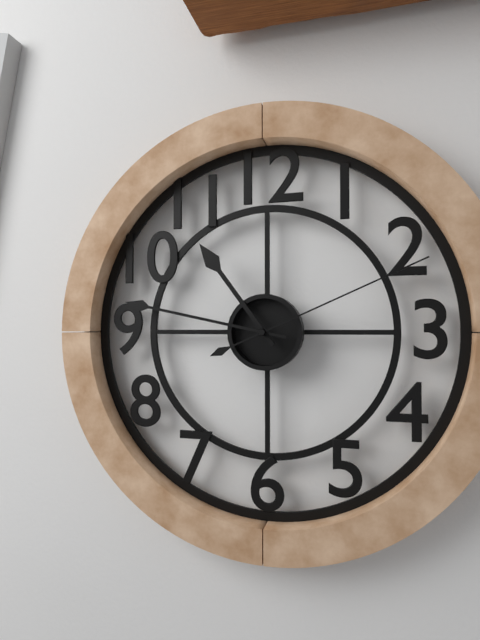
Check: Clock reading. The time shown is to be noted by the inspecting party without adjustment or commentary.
10:47:11
